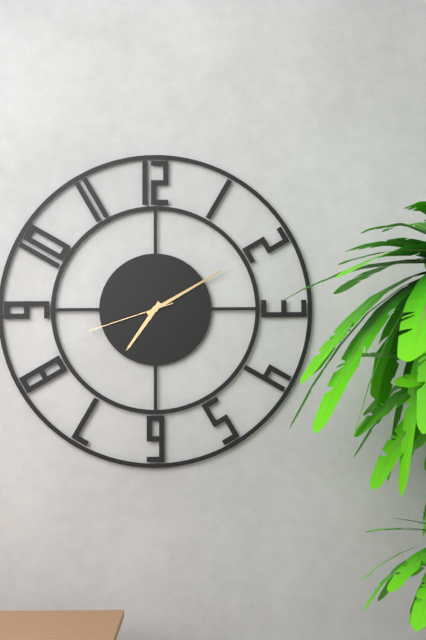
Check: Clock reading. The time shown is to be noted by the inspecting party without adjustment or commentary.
7:10:42
